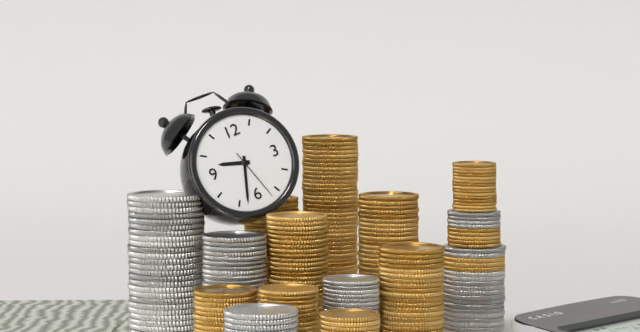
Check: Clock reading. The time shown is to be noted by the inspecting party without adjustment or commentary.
9:33:27
